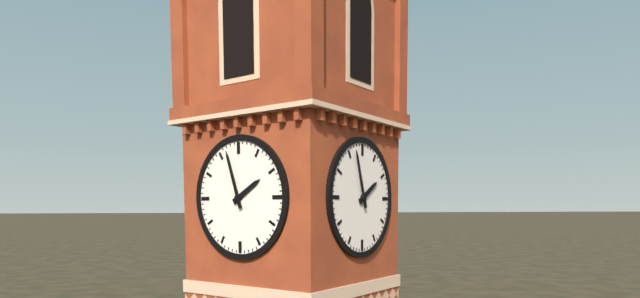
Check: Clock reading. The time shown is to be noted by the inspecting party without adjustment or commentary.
1:57
